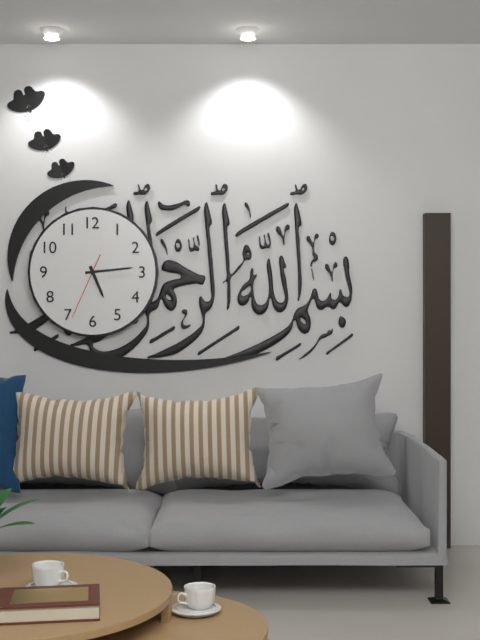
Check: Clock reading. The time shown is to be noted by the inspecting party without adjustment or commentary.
5:14:34
